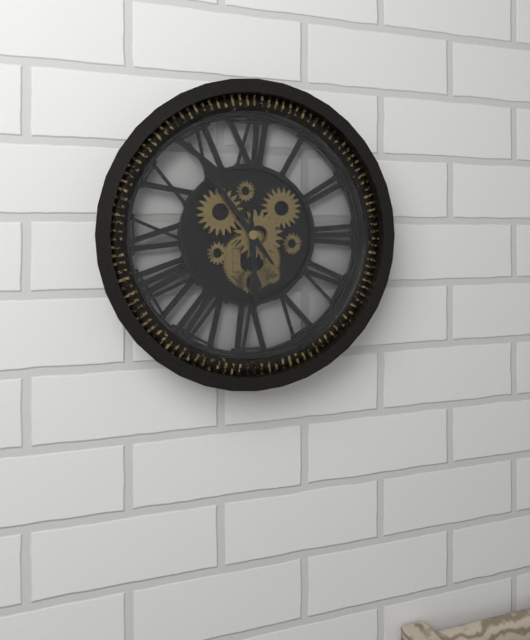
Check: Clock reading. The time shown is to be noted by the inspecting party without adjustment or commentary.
5:54
